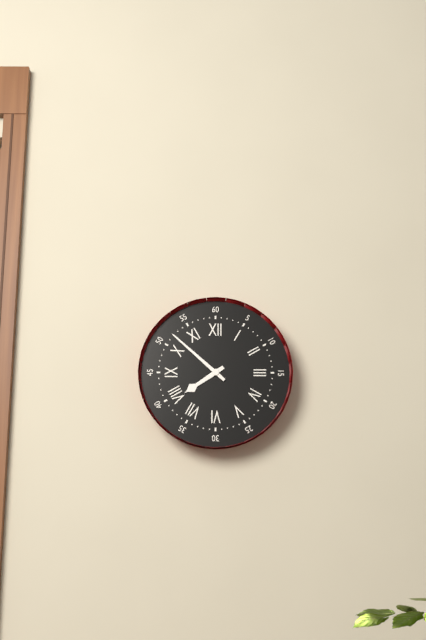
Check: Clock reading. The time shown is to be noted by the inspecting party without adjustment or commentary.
7:52
